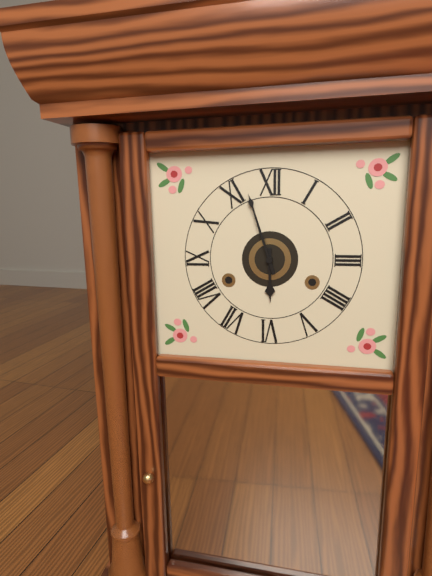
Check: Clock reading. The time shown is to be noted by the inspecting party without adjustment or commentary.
5:57
